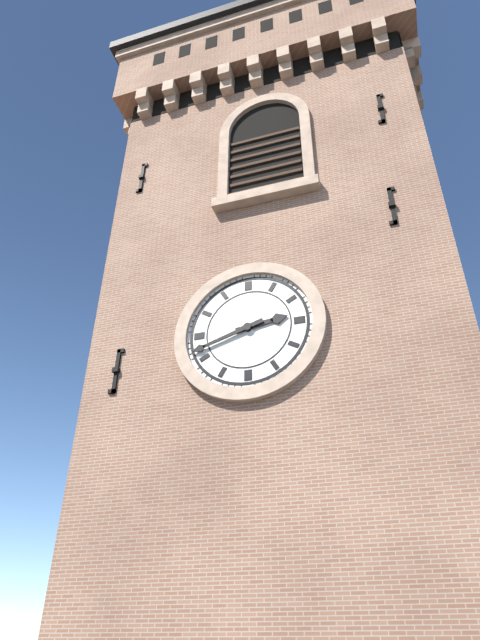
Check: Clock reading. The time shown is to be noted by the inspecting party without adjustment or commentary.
2:42
